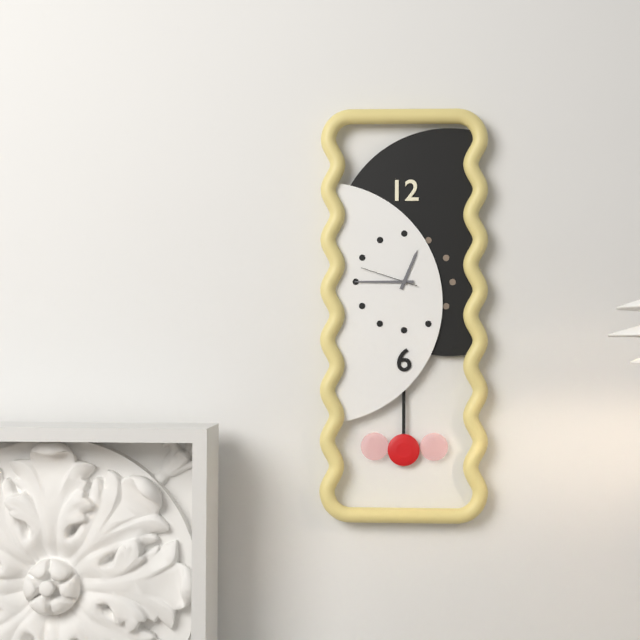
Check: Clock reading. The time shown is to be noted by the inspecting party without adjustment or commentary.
12:45:48
